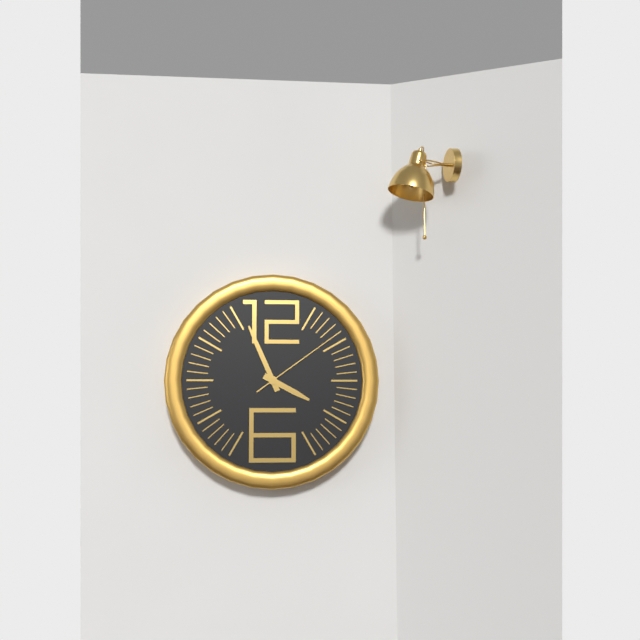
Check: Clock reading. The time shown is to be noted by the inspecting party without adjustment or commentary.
3:56:09
